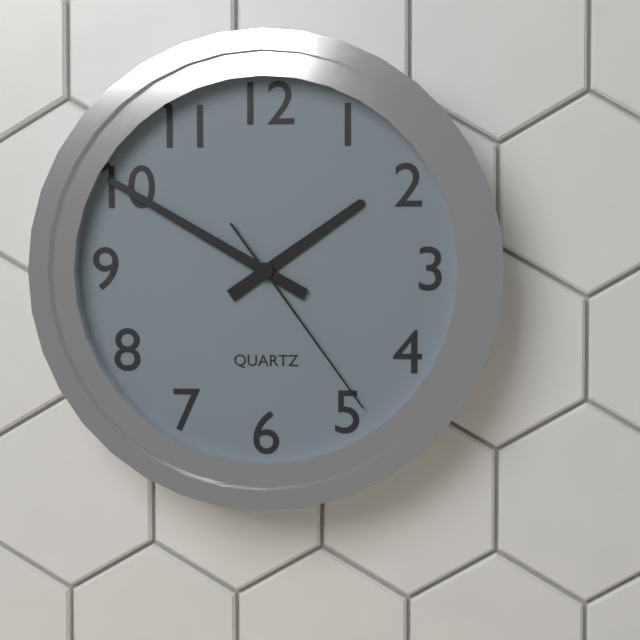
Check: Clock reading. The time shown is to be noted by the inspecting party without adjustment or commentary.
1:50:24
